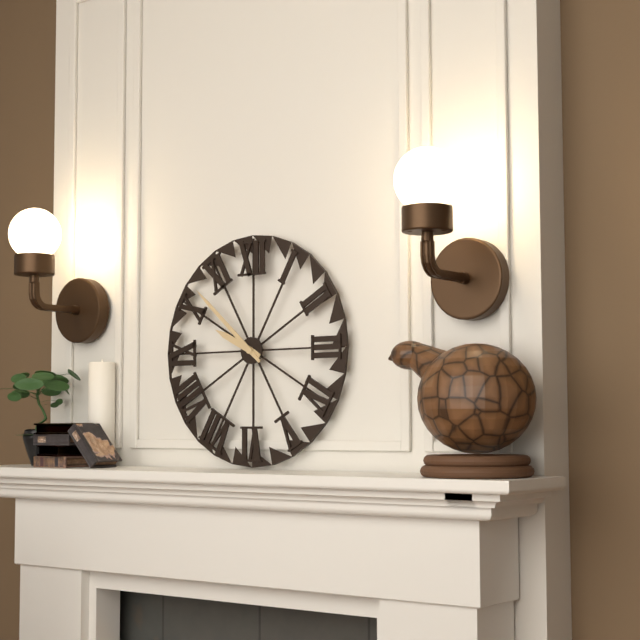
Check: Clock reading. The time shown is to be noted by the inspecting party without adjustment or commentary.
9:52
